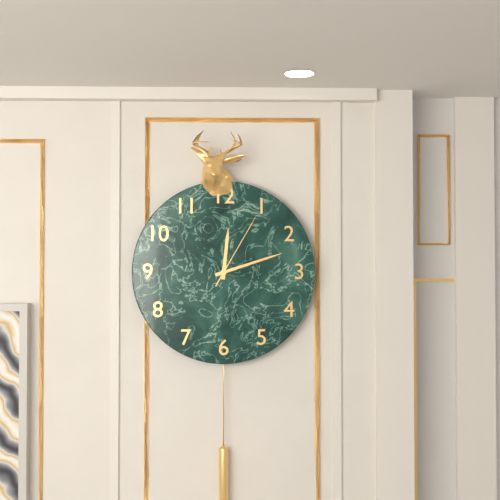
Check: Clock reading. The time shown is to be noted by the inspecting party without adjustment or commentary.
12:12:05
